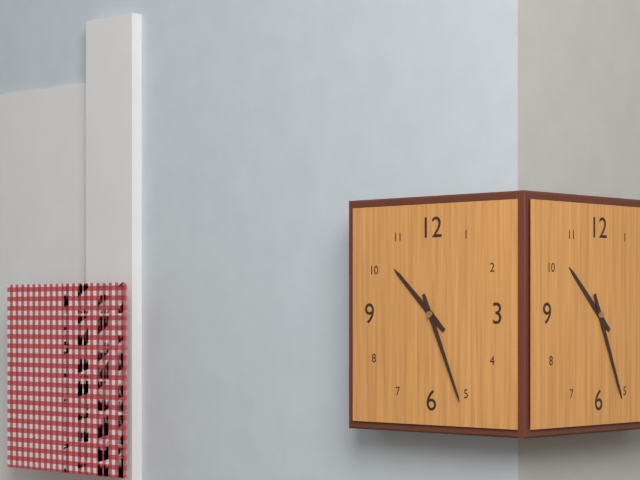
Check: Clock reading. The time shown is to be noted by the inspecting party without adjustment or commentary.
10:26
